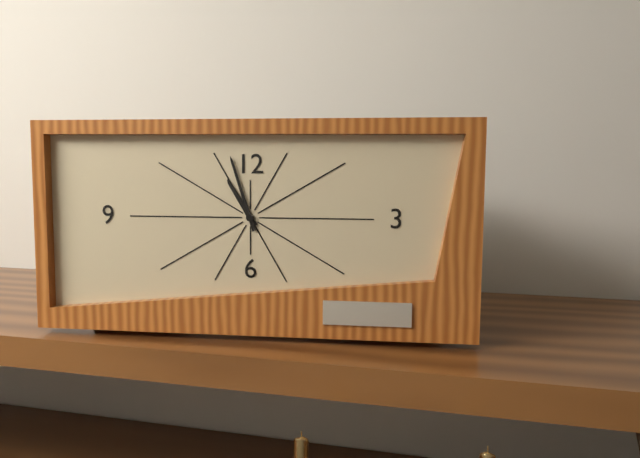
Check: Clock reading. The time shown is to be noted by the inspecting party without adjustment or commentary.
10:57
